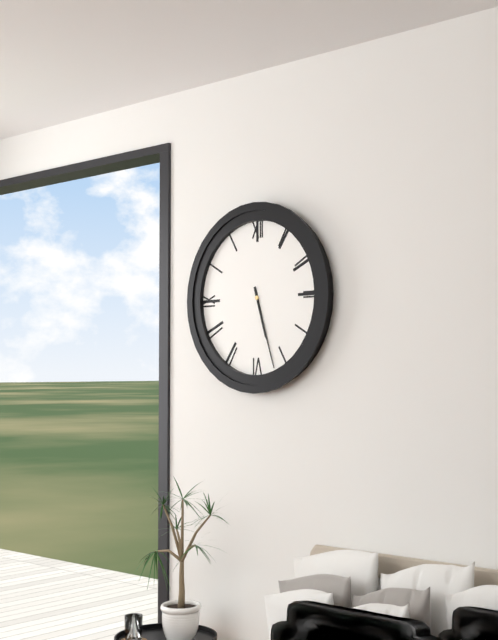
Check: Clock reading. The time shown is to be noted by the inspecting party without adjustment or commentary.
5:27
